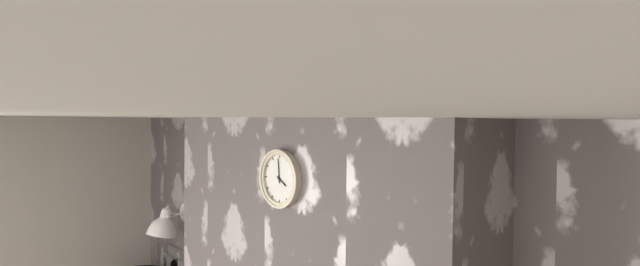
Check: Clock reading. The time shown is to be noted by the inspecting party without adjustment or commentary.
3:59
